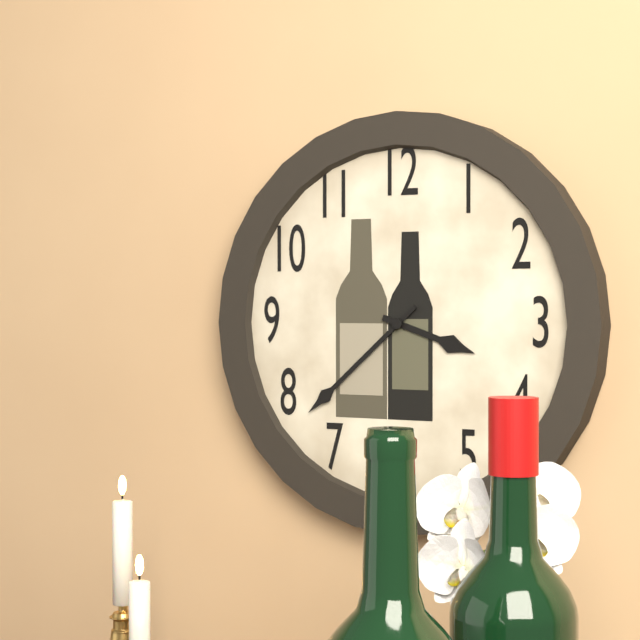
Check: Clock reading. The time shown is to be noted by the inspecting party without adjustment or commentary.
3:38
